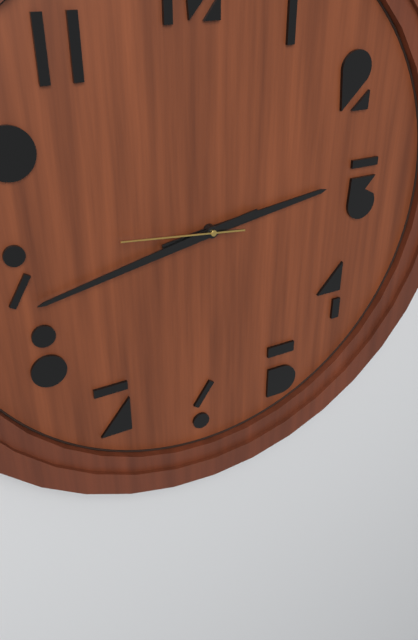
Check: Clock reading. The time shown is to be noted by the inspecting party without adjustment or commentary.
2:43:46
